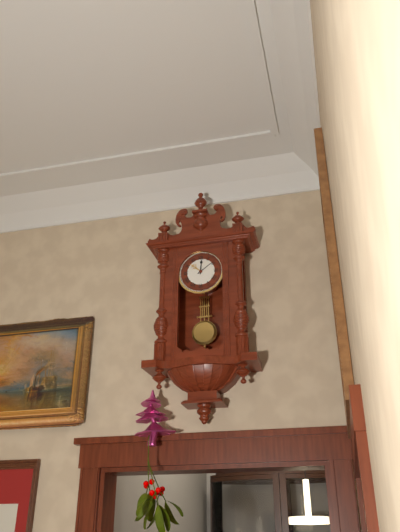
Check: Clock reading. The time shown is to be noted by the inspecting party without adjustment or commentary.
12:09
